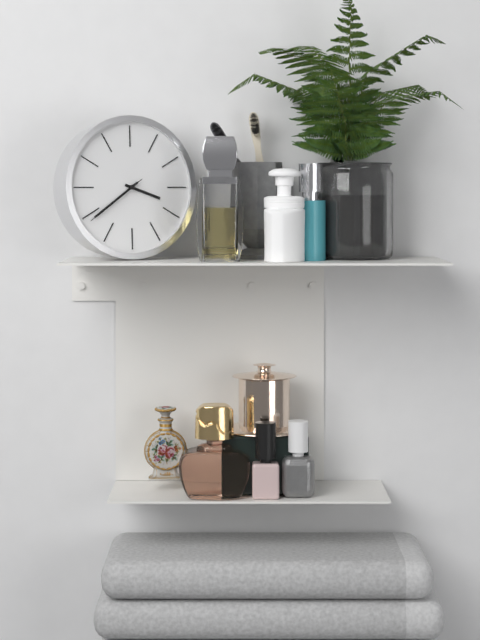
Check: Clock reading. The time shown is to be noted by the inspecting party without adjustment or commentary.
3:39:39
